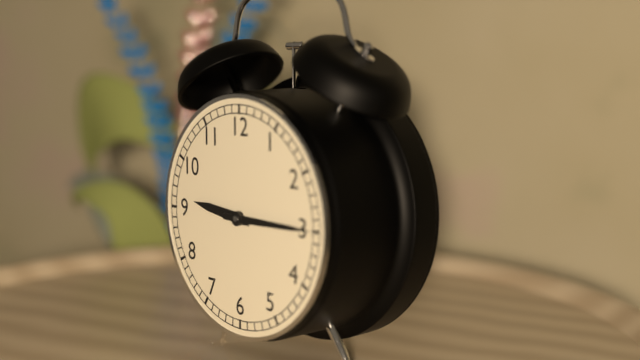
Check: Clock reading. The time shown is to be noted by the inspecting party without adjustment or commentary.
9:15
